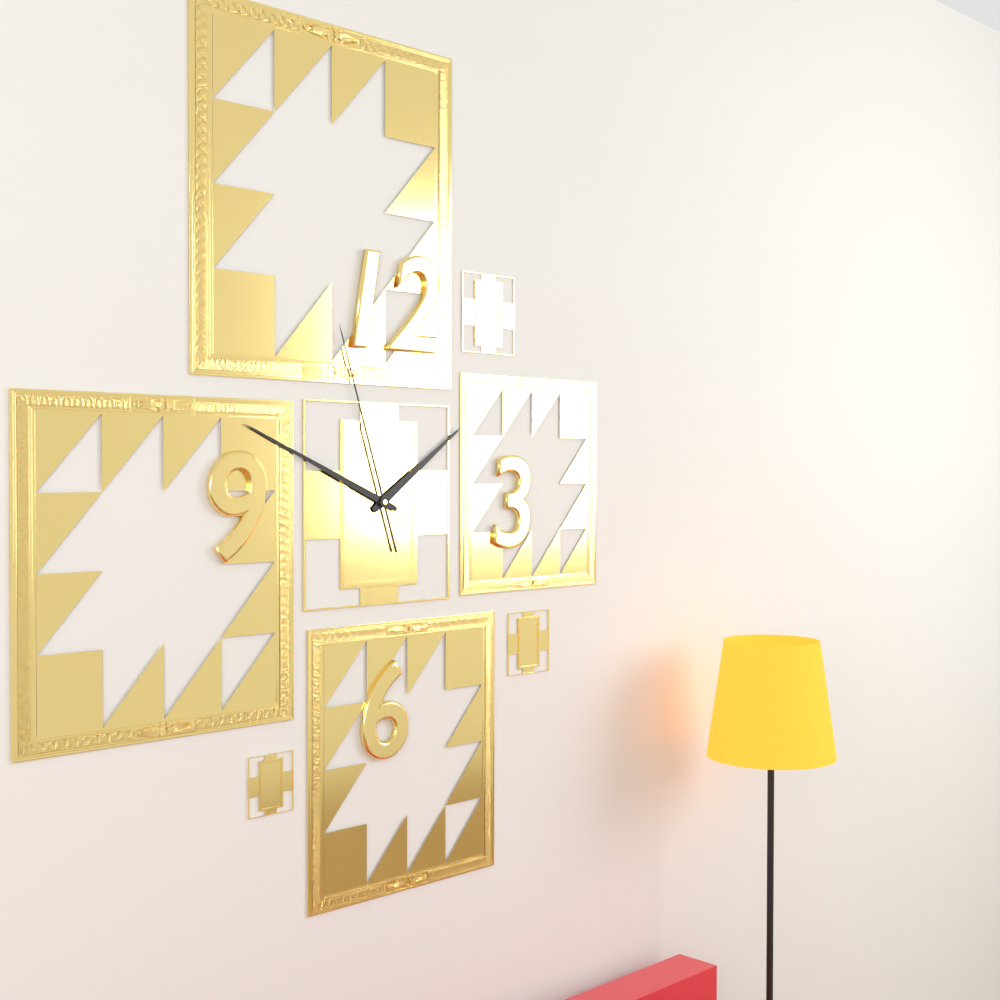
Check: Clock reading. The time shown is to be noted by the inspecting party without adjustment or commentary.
1:49:57
